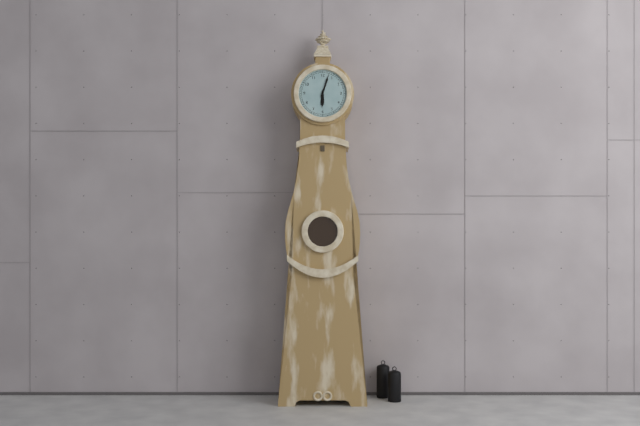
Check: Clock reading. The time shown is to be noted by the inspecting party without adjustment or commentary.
6:03
